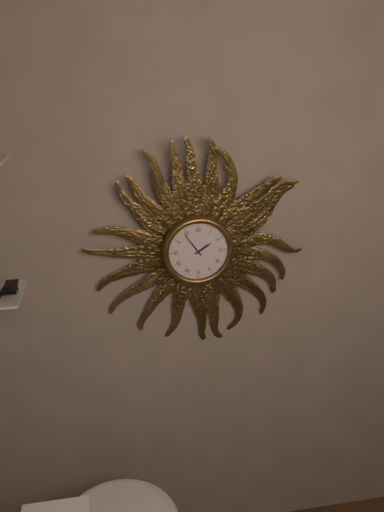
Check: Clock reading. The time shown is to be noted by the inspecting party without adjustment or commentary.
1:54
